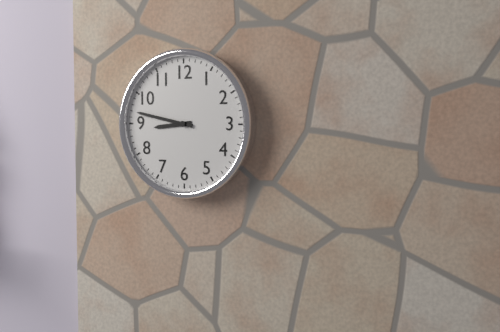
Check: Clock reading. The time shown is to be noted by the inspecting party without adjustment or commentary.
8:47
